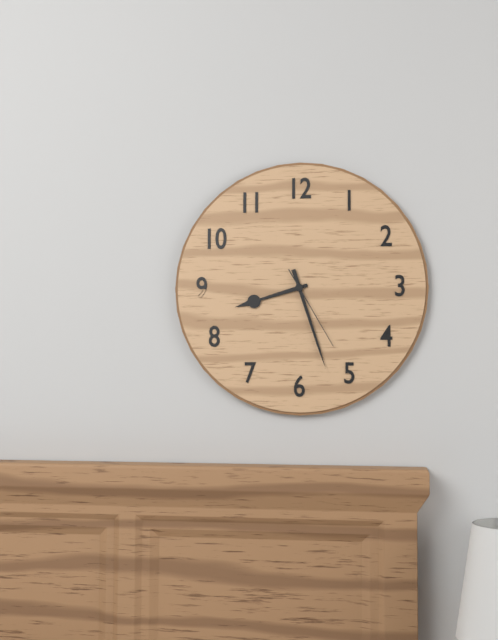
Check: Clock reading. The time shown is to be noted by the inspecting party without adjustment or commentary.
8:27:25
